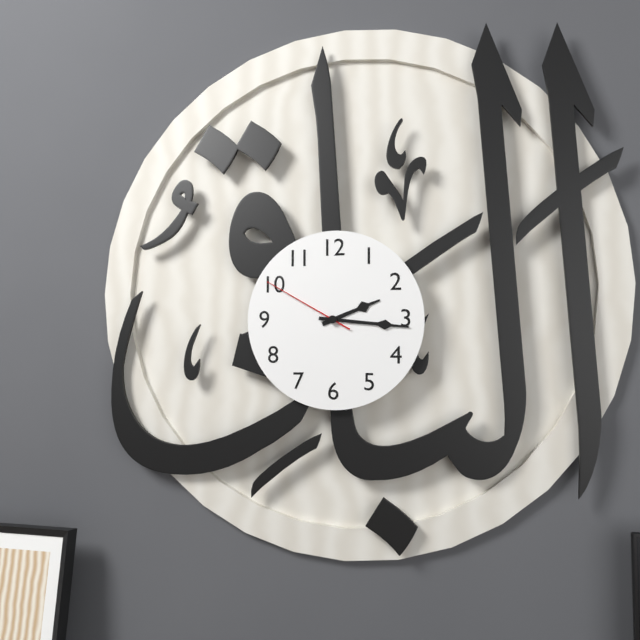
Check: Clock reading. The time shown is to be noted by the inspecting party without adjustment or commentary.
2:16:50
